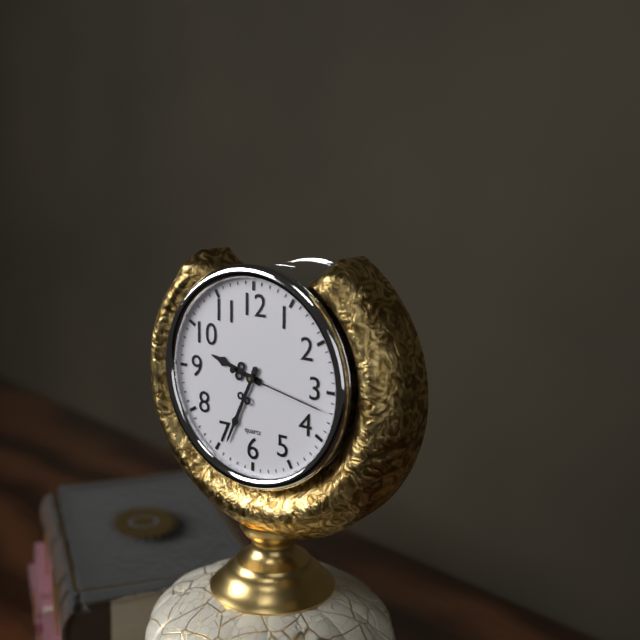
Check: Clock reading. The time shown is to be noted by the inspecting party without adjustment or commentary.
9:34:17
